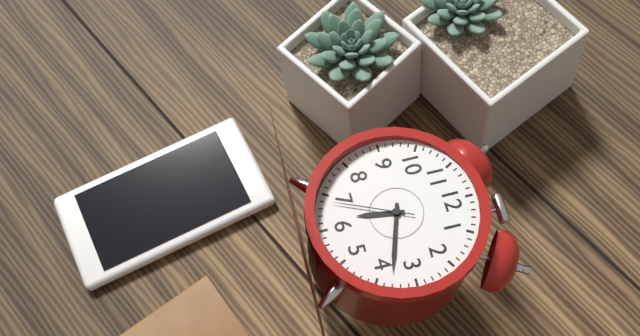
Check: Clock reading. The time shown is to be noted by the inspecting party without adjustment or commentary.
6:18:34
